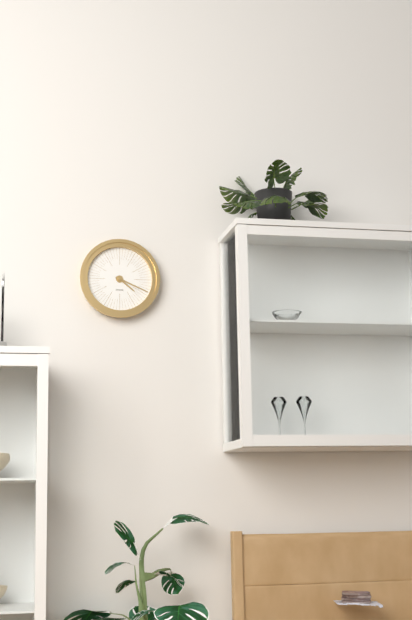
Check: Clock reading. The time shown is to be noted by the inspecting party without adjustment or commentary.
4:19
